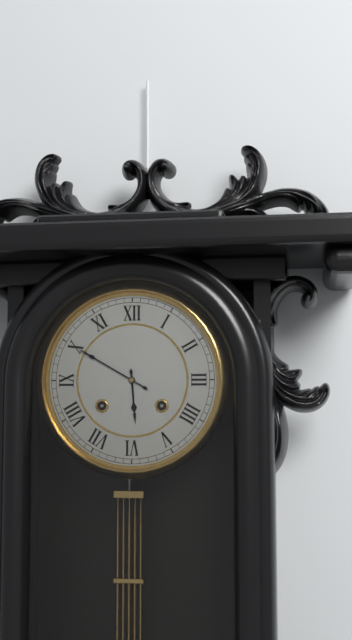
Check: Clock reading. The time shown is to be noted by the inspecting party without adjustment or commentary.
5:50
